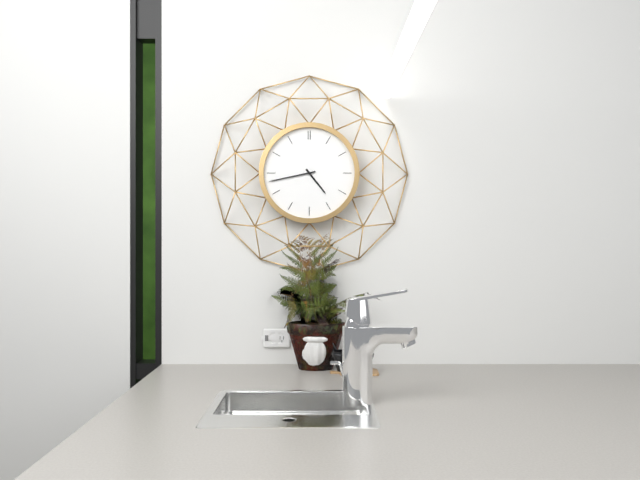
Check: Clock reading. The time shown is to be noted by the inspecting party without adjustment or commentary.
4:43
